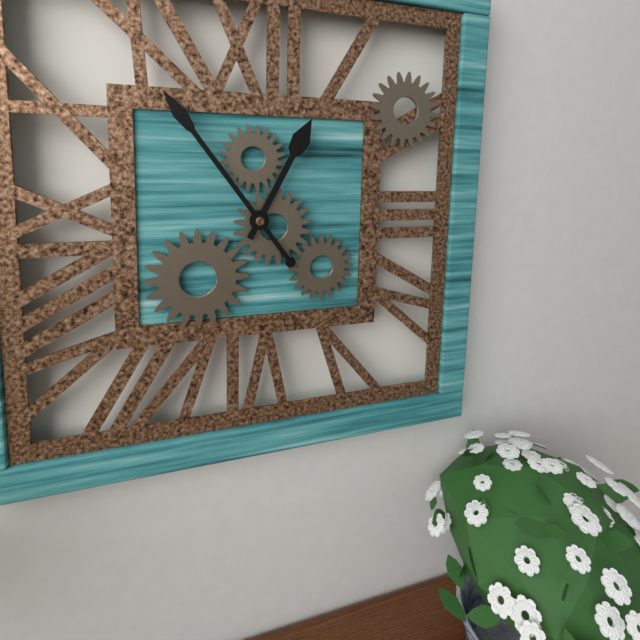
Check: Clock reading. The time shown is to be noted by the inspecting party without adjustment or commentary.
12:54
